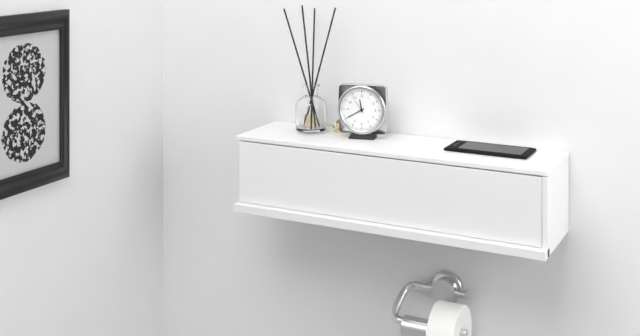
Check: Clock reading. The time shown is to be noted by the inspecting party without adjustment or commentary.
11:40
